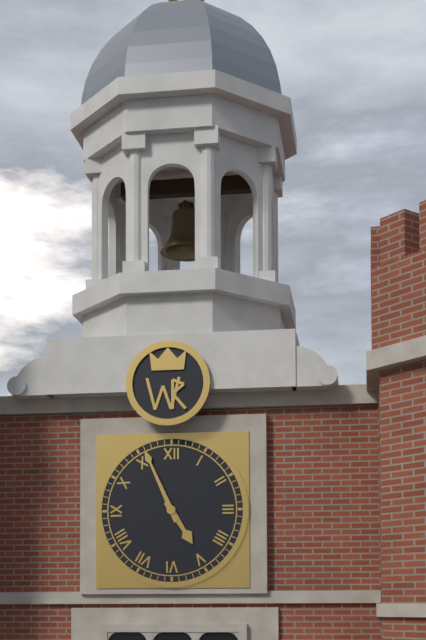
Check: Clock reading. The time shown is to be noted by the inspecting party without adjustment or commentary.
4:56
